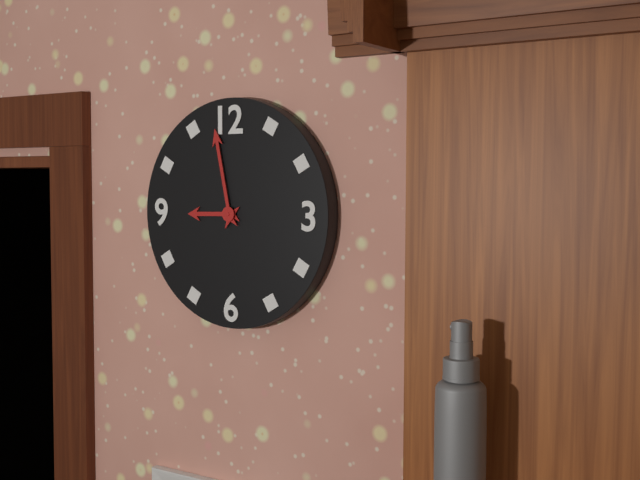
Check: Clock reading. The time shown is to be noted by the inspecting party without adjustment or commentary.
8:58
